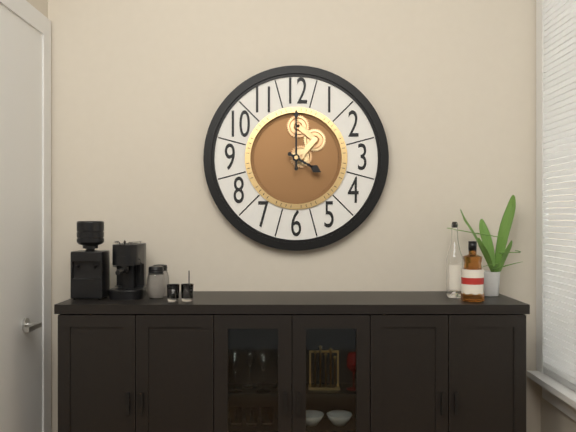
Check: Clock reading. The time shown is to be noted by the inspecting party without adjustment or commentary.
4:00
